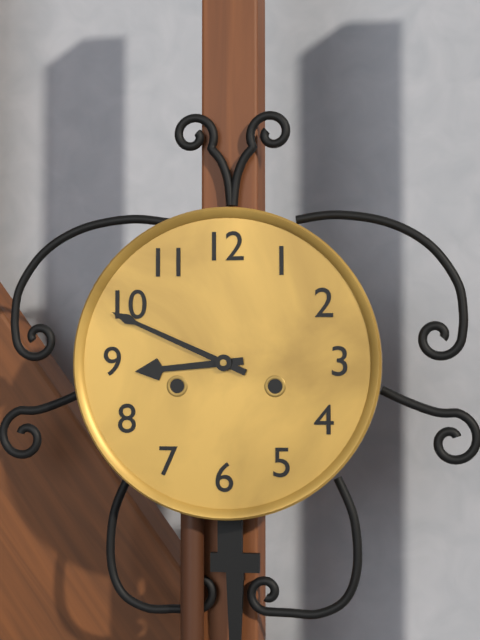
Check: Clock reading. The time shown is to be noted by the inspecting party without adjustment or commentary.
8:49
